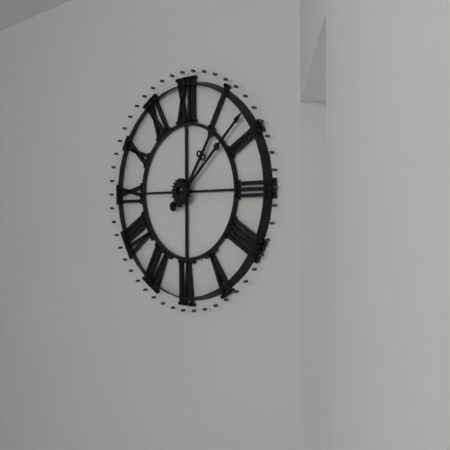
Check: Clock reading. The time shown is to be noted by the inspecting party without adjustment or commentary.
1:08
